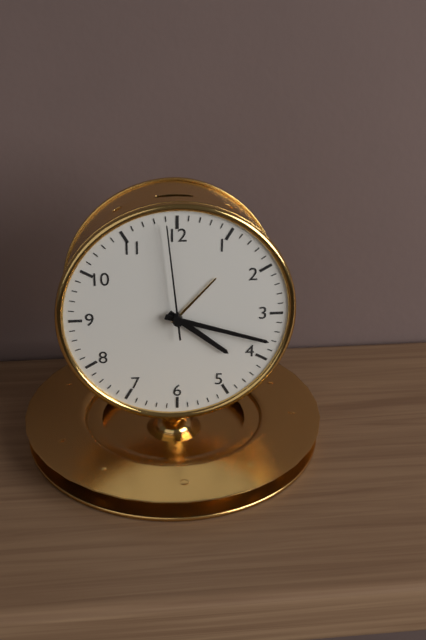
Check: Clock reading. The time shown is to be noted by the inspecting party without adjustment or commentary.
4:18:59
